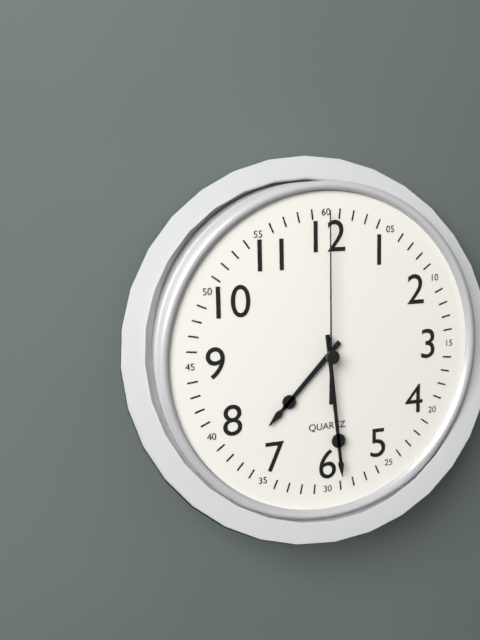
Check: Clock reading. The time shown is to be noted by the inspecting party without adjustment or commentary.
7:29:00
